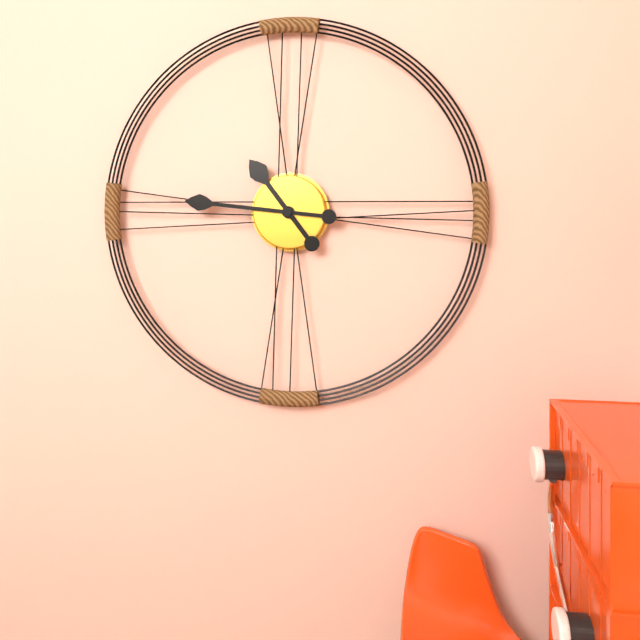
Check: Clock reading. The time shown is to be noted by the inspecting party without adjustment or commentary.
10:46
